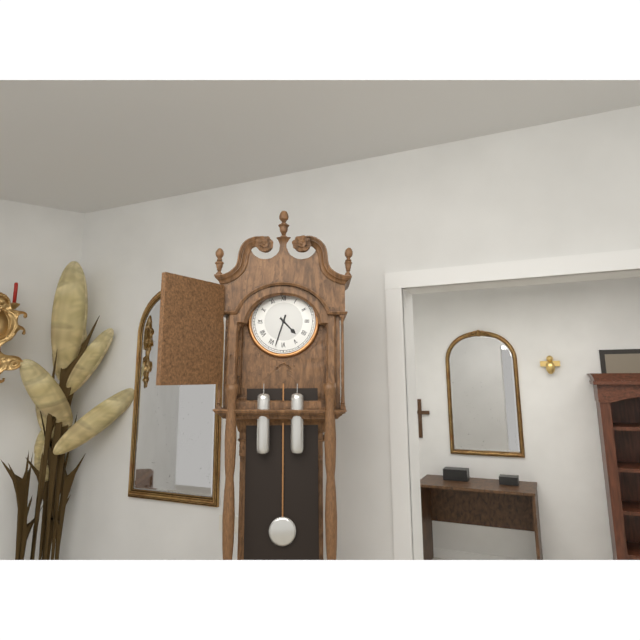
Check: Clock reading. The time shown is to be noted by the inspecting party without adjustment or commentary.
4:33
